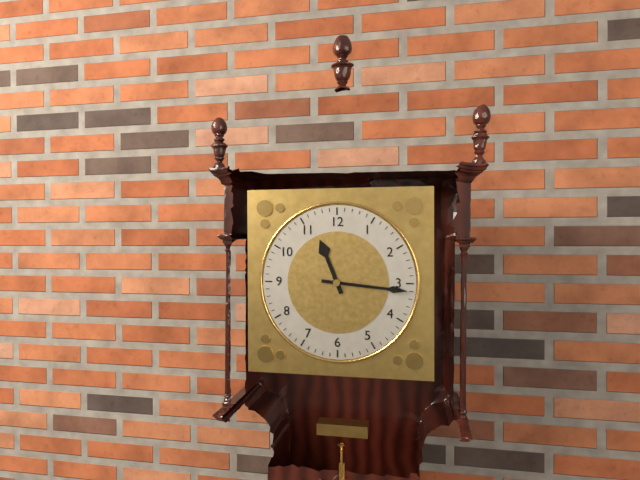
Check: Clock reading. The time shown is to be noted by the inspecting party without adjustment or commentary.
11:16
